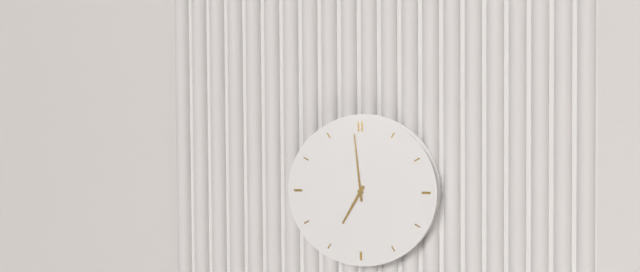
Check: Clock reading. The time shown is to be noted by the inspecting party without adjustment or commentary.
6:59
